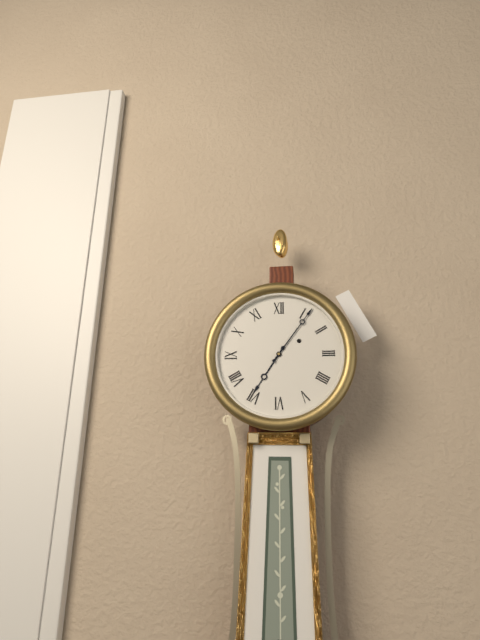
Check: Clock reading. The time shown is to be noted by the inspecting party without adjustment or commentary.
7:06
